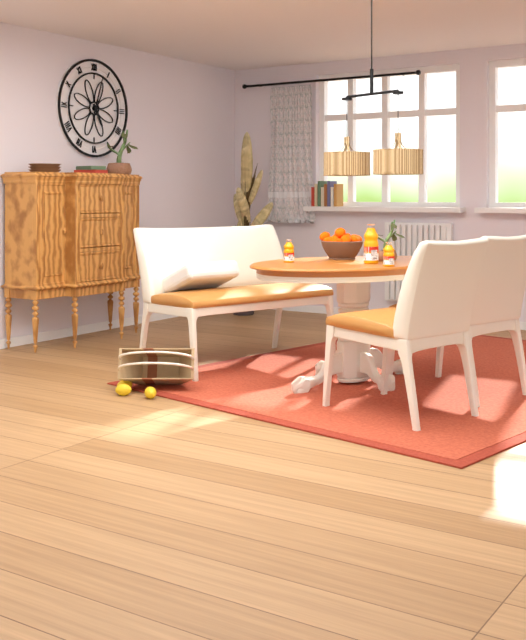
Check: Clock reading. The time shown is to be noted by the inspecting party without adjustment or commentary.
5:03
